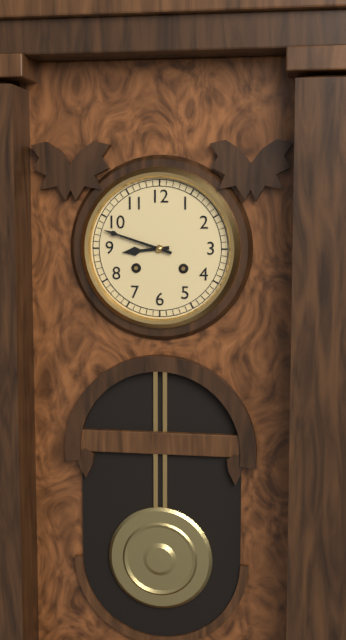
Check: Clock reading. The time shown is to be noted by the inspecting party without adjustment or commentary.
8:48
